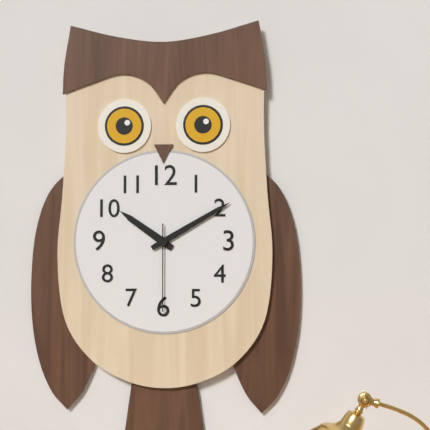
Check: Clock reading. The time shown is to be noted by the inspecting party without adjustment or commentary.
10:10:30
